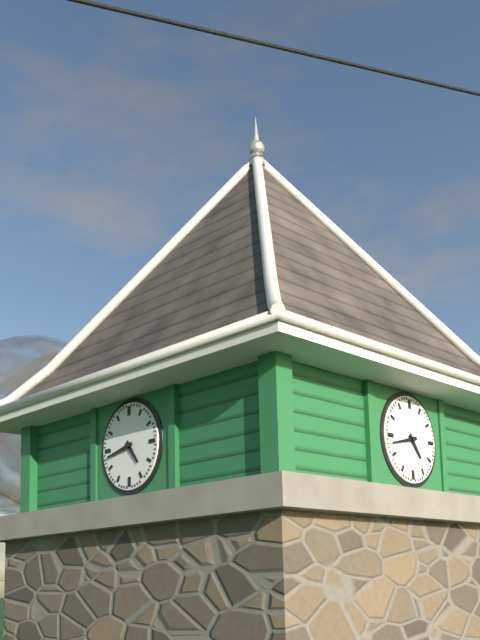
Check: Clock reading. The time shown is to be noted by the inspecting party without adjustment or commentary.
4:43
